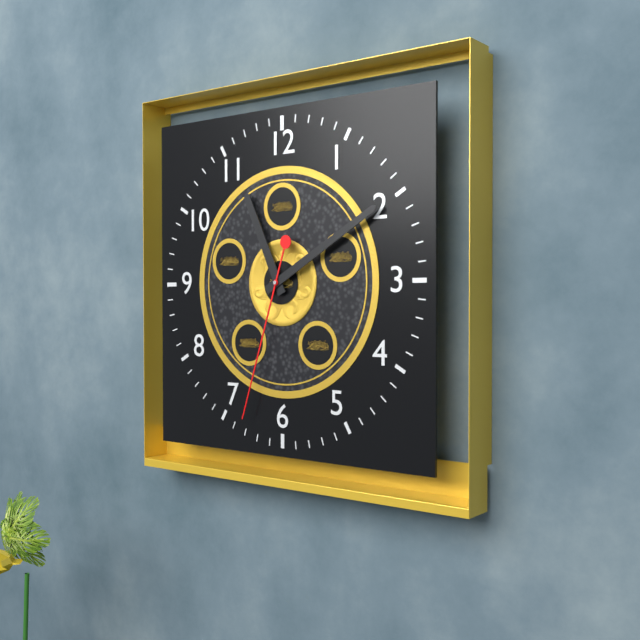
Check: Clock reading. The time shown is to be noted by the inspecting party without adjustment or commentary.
11:10:33
